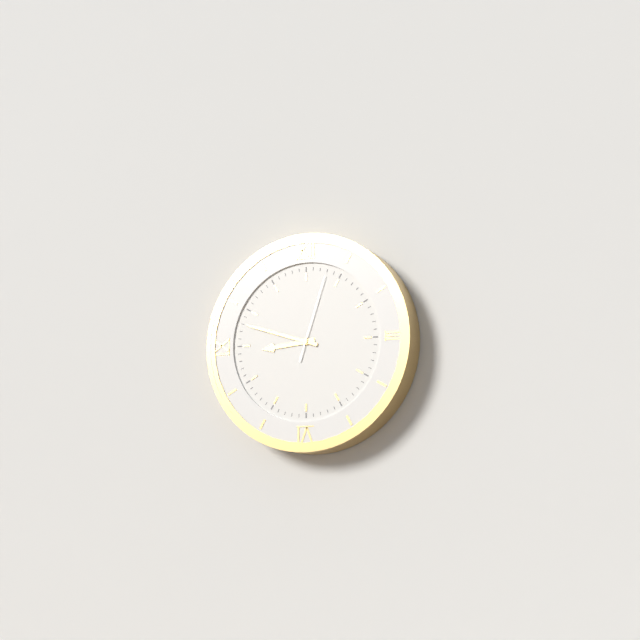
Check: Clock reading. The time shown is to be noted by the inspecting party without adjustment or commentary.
8:48:03
